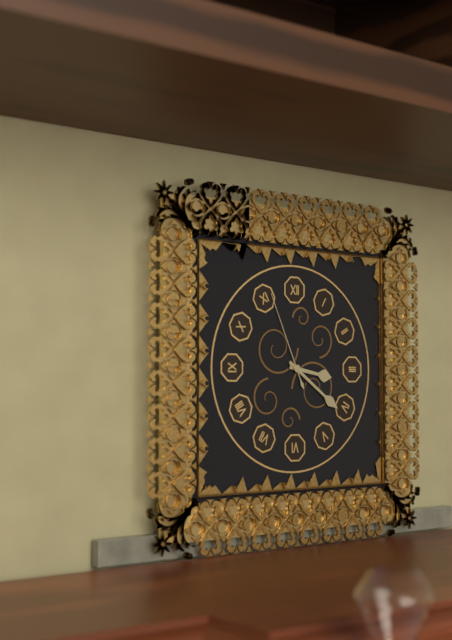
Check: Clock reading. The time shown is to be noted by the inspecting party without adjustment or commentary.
3:21:56
